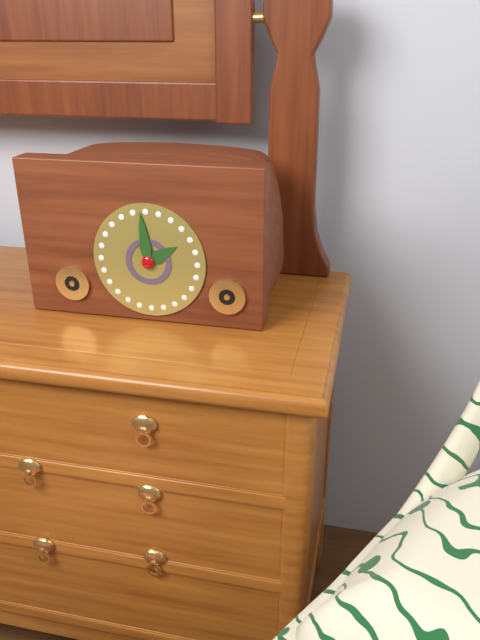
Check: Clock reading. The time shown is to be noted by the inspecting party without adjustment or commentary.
1:59
